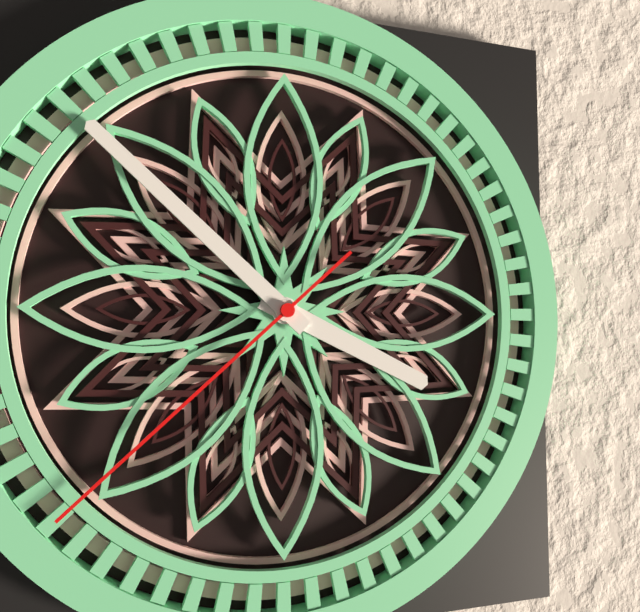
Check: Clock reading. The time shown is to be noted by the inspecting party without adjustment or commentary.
3:52:38
